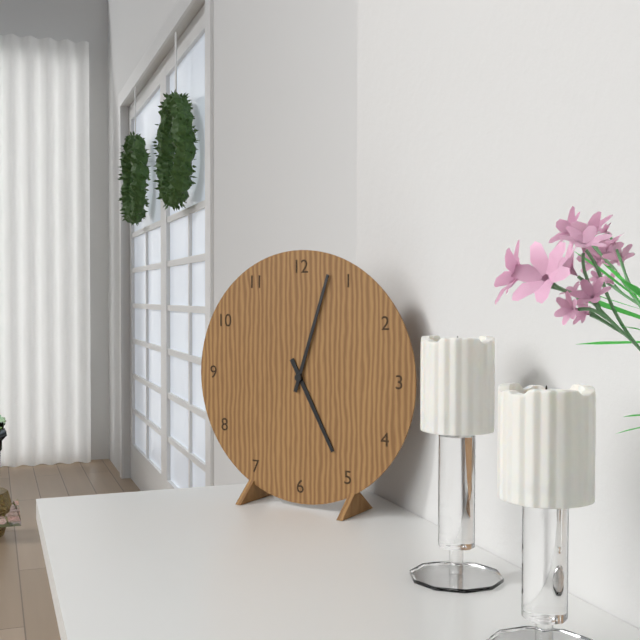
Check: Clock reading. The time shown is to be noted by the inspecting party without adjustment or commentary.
5:03
